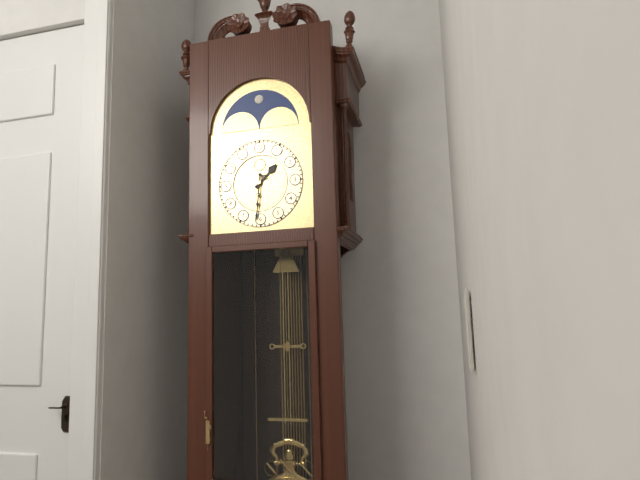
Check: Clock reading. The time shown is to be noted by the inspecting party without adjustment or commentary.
1:31
